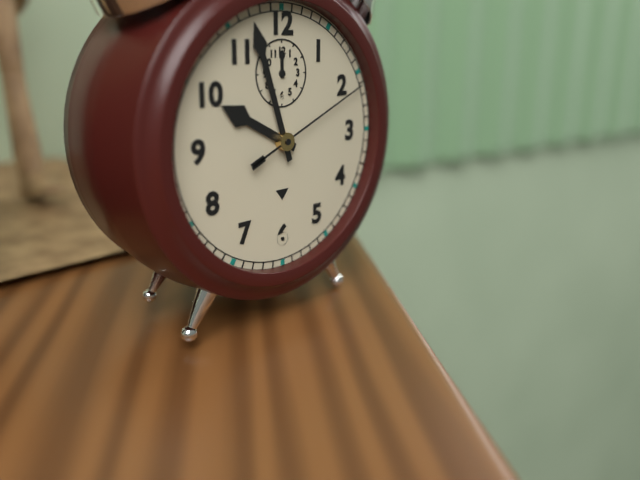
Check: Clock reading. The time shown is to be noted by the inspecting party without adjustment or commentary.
9:57:11
